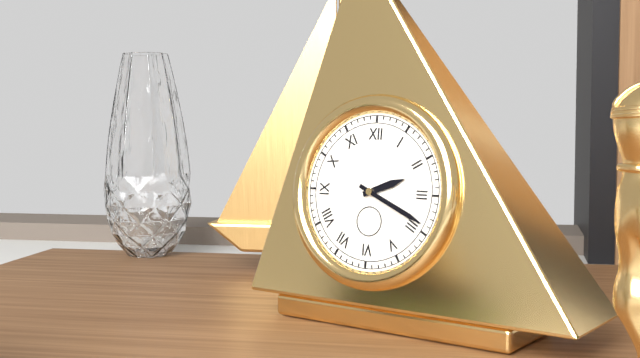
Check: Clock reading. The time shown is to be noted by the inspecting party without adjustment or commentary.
2:19
